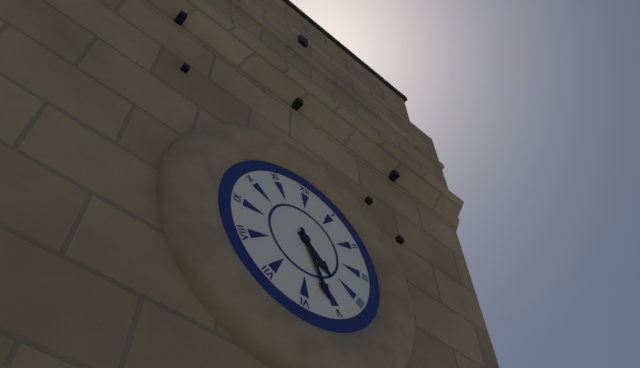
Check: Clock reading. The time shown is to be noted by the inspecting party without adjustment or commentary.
4:26
